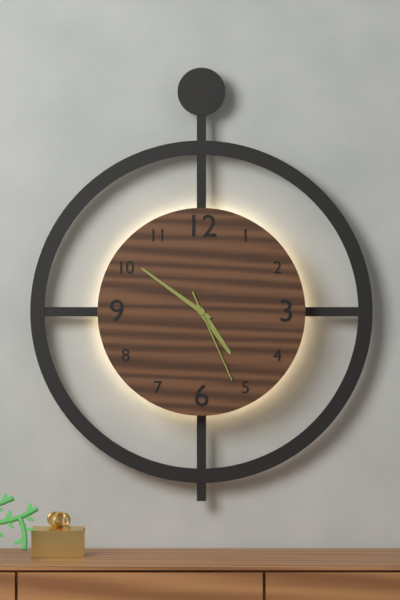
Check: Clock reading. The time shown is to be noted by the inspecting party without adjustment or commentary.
4:51:26
